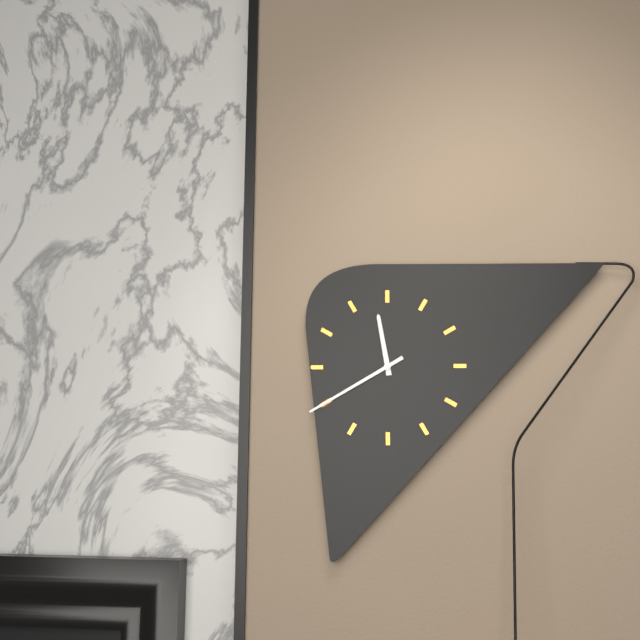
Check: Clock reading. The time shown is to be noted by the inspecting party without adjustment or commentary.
11:40
